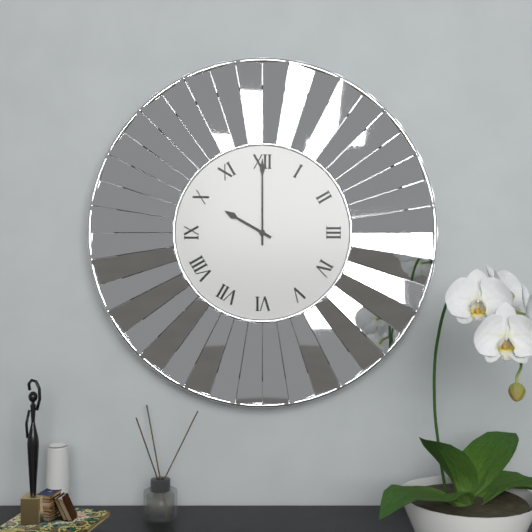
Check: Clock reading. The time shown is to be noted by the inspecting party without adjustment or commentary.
10:00
